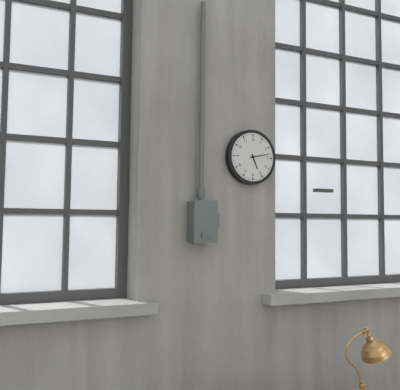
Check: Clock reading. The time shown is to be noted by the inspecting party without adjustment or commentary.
5:13
